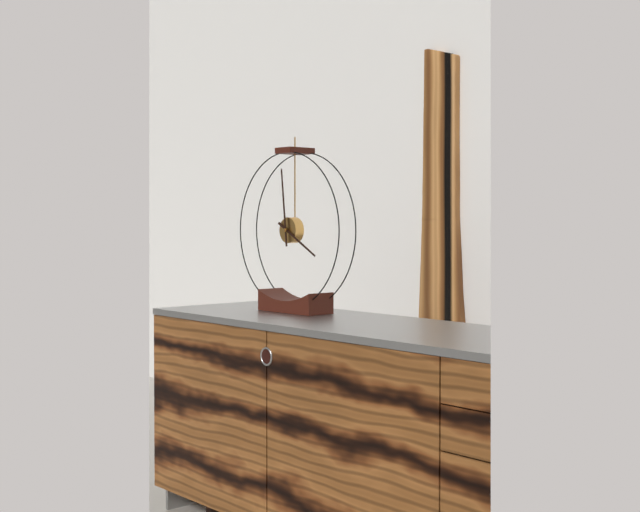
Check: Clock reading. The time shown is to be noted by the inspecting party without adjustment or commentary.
3:59
